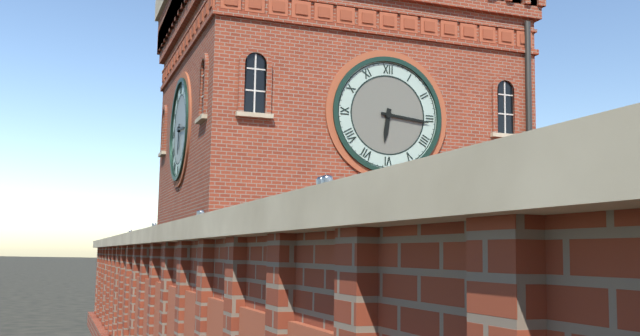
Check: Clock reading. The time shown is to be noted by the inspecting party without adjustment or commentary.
6:16
